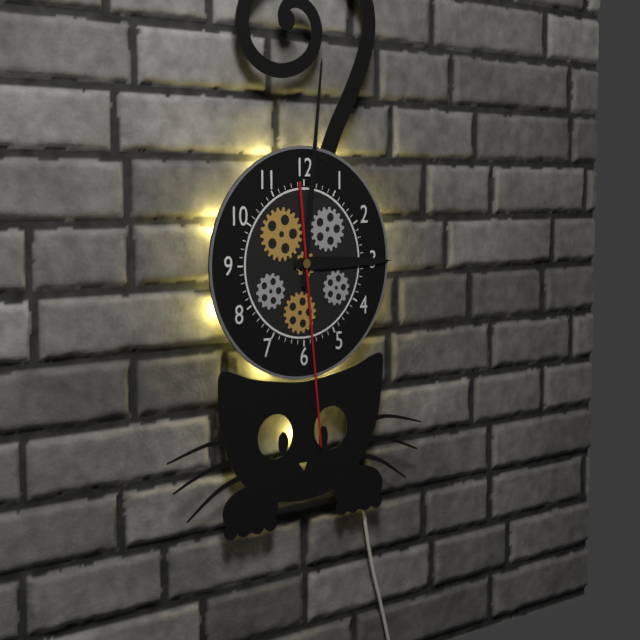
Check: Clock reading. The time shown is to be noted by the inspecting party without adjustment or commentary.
3:01:29
